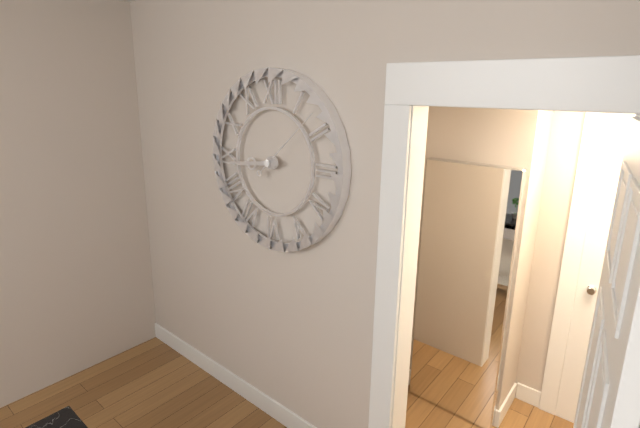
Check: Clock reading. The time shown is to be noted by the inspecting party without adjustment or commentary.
8:44:08
